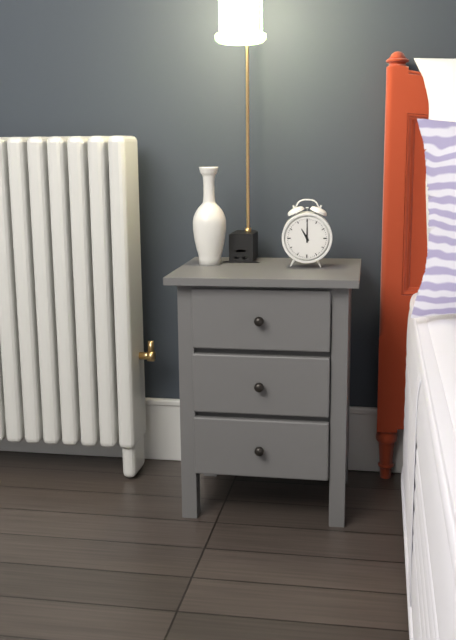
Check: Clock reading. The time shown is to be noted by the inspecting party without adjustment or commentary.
11:00
